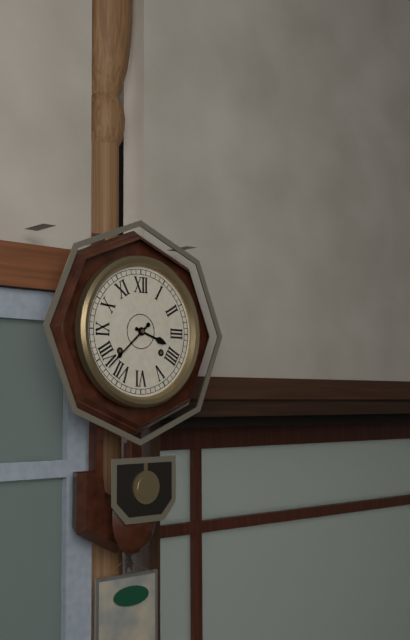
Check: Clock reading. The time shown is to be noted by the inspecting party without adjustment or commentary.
3:38
